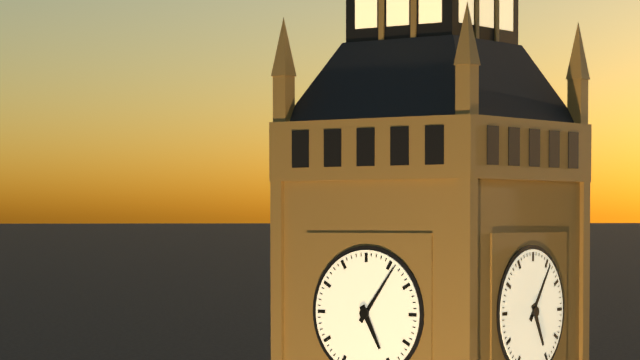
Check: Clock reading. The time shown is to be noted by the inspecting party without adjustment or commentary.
5:06
